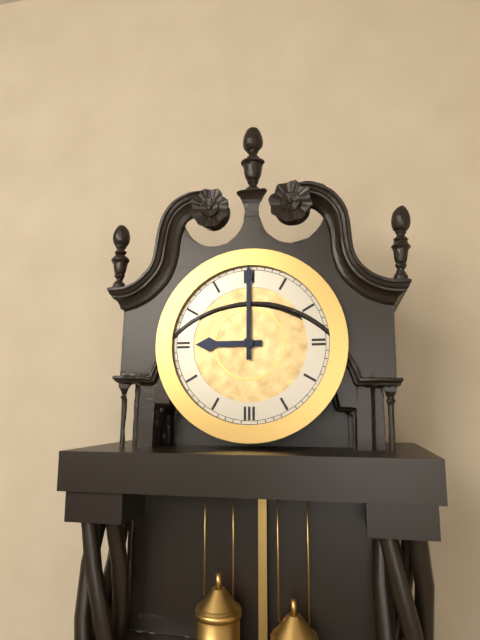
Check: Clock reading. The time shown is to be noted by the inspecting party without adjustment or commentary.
9:00
